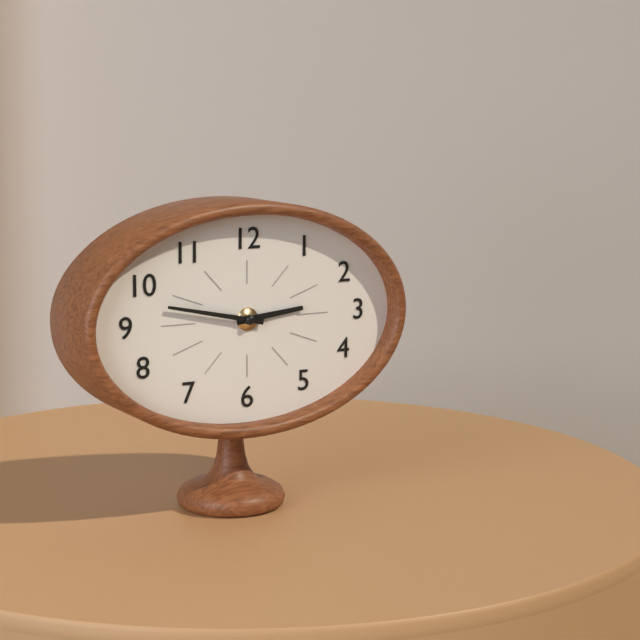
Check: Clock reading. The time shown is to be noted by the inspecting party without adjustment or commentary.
2:47
